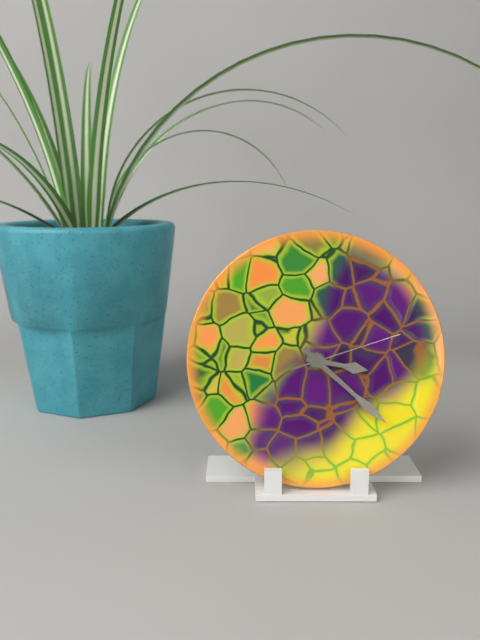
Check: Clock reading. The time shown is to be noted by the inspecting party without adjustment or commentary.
3:22:12
